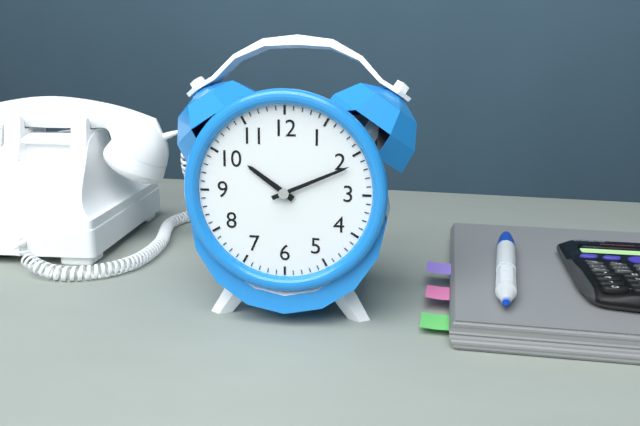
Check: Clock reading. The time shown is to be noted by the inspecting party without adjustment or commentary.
10:11
